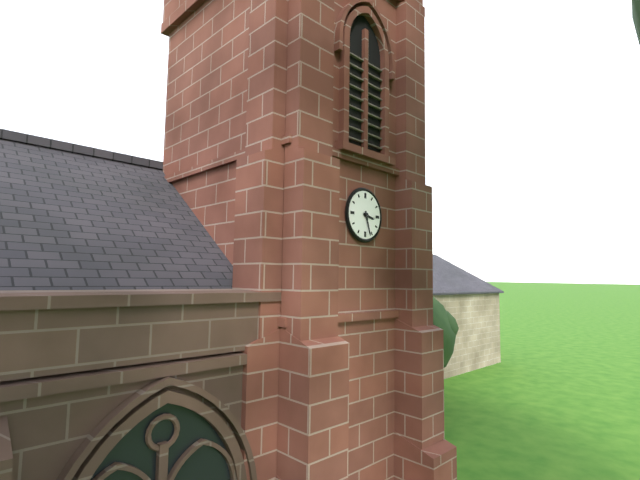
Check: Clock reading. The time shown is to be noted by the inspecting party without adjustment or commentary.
3:27
